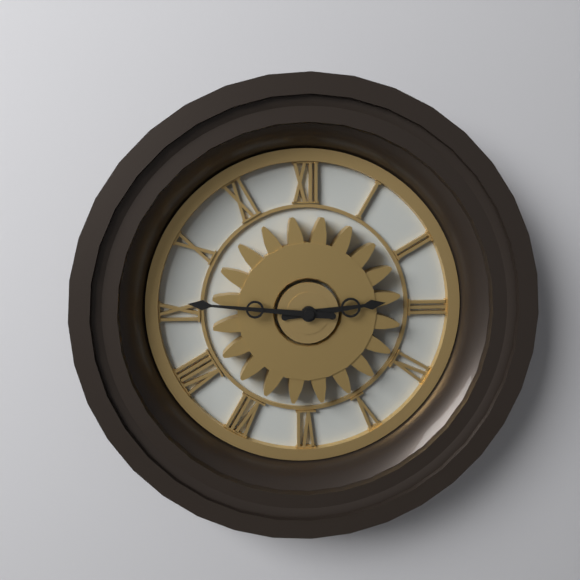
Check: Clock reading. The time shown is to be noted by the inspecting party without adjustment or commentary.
2:46
